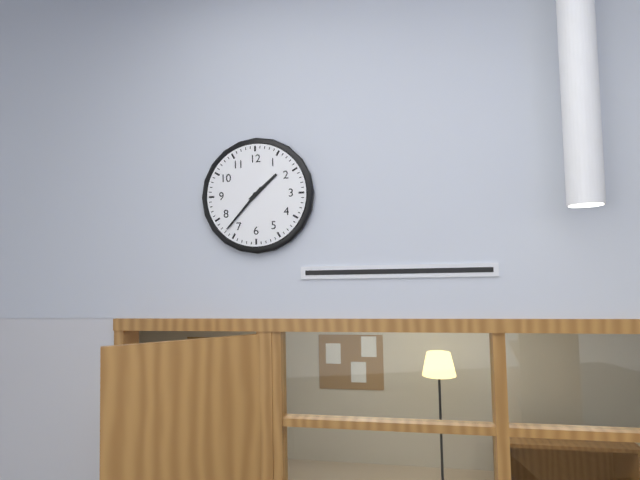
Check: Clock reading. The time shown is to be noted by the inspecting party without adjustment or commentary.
1:37
